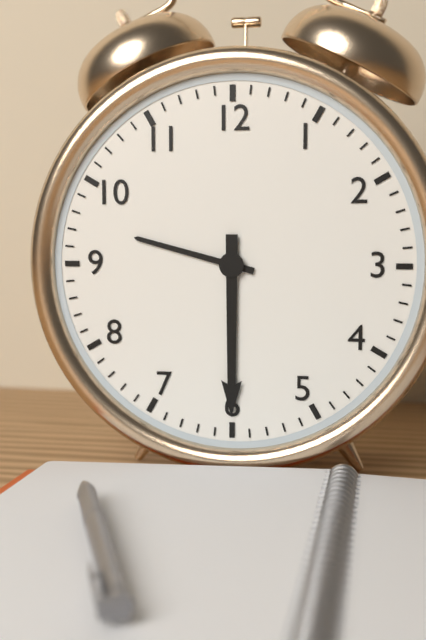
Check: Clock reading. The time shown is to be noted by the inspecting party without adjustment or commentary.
9:30
